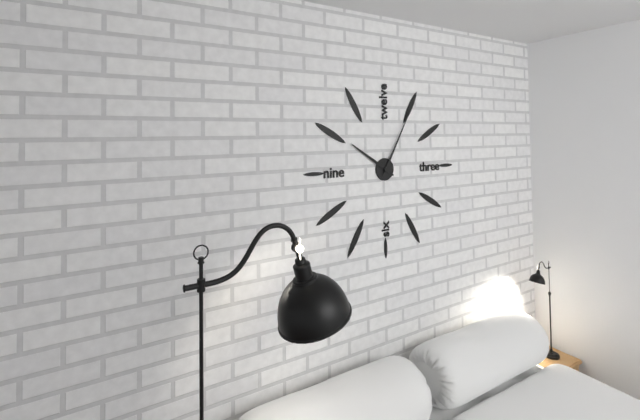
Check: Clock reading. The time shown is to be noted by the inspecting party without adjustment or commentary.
10:05
